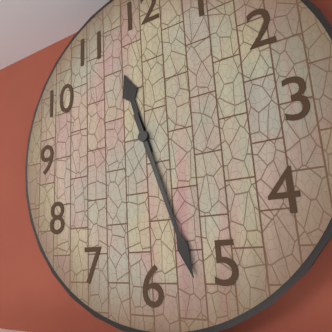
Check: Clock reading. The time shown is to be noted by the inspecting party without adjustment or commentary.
11:27
